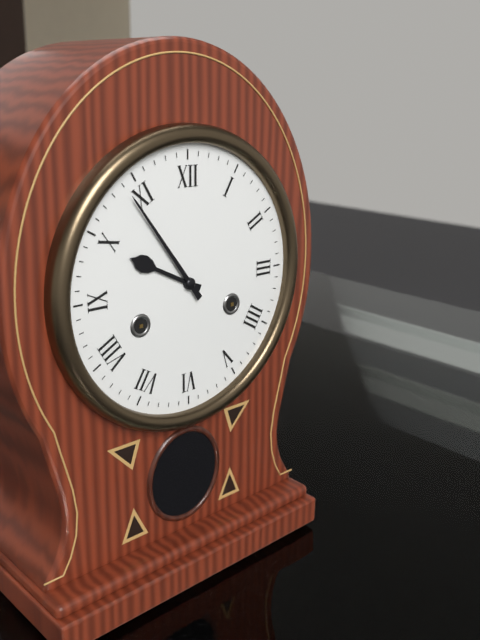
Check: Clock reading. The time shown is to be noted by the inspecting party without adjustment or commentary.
9:54
